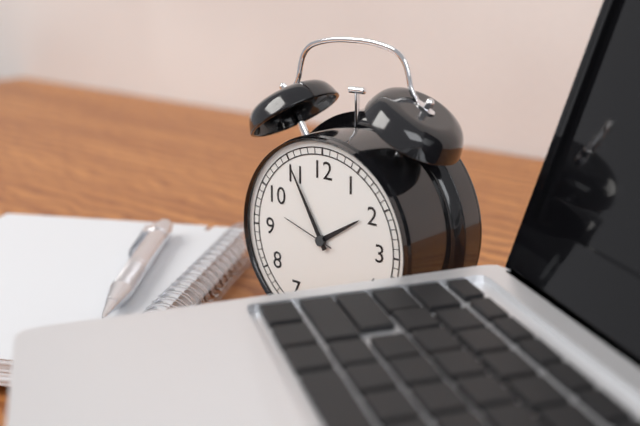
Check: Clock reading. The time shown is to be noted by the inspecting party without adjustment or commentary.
1:55:48
